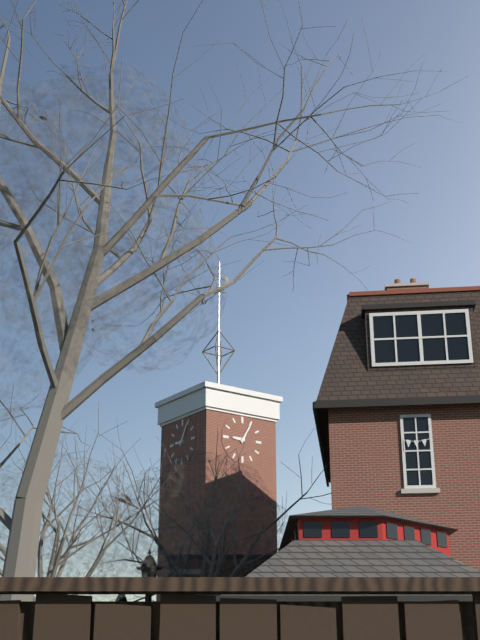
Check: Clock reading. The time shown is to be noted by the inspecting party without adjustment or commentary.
9:05
